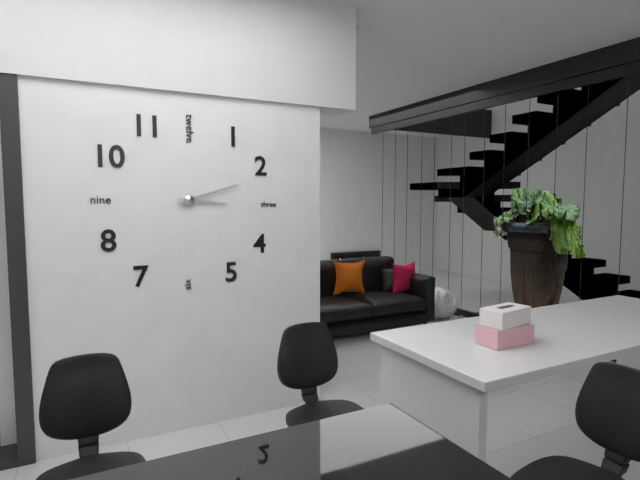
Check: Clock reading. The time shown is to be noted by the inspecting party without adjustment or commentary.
3:12
